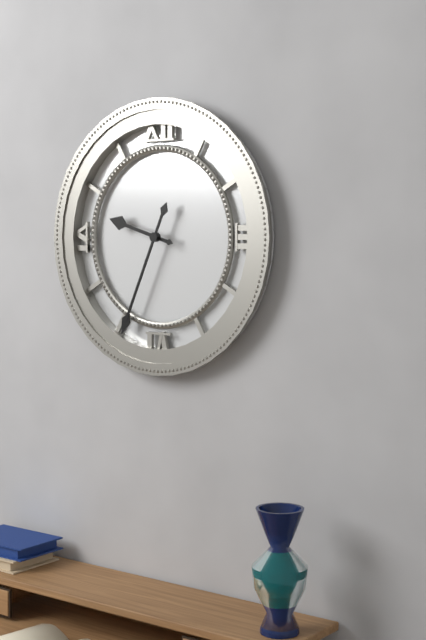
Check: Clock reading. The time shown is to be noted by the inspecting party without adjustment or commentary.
9:34
